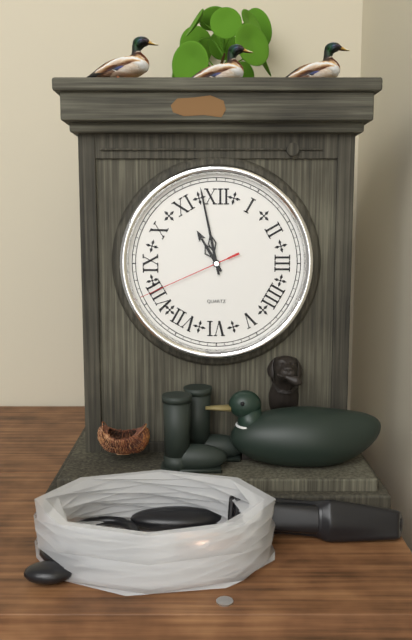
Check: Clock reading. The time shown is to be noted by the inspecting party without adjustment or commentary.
10:58:41
